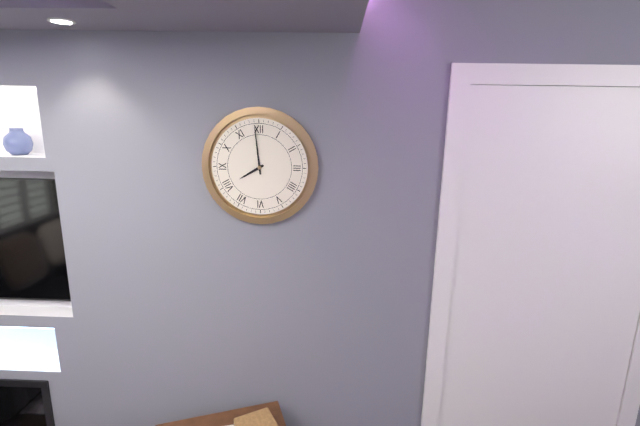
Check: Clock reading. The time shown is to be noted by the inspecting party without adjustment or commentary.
7:59
